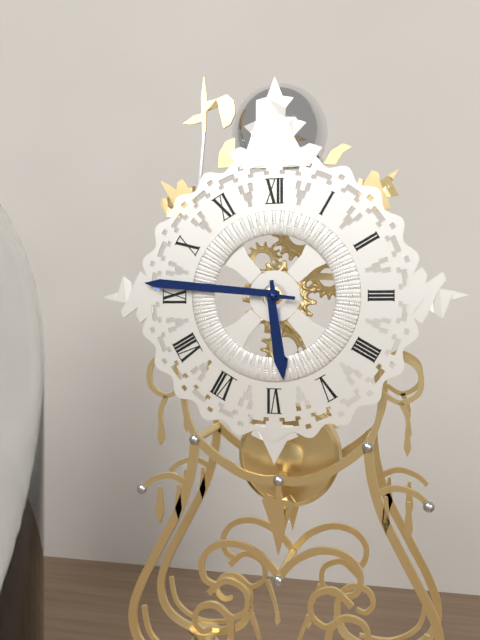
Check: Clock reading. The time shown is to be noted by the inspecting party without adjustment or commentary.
5:46
